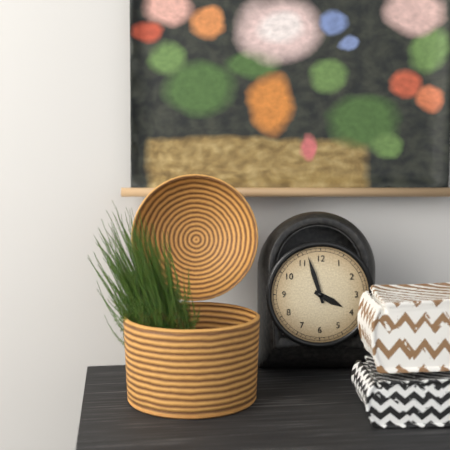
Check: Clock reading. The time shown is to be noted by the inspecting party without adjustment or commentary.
3:57
